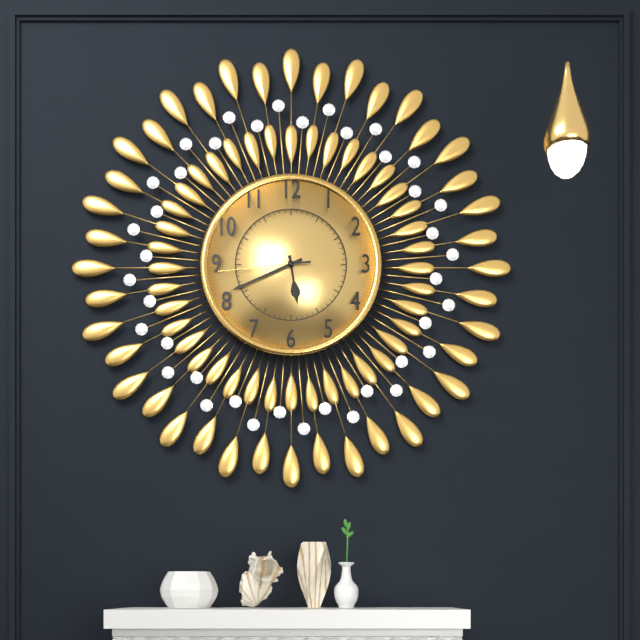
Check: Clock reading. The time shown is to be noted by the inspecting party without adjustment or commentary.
5:41:44
